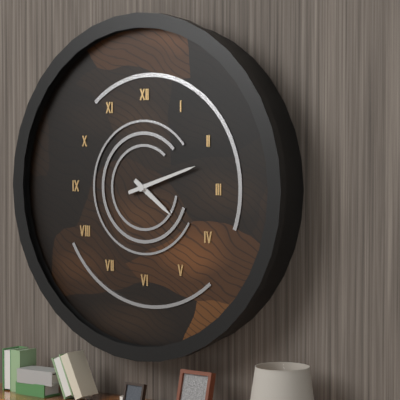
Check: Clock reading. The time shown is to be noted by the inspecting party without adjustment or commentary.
4:12
